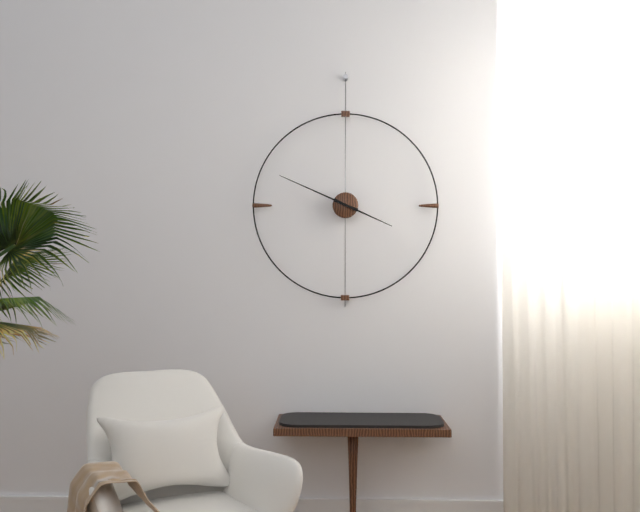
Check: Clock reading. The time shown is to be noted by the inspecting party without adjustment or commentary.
3:49
